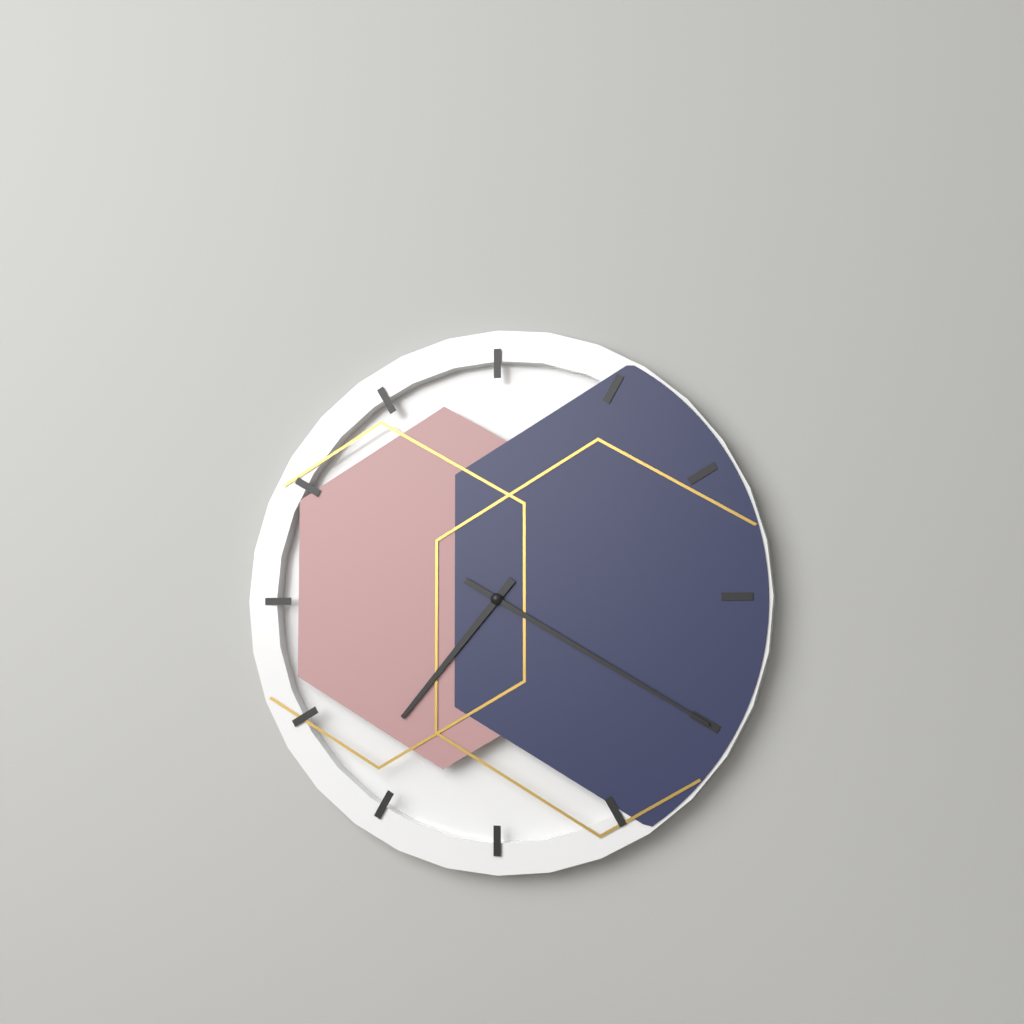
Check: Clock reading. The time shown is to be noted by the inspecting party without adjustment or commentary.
7:20
